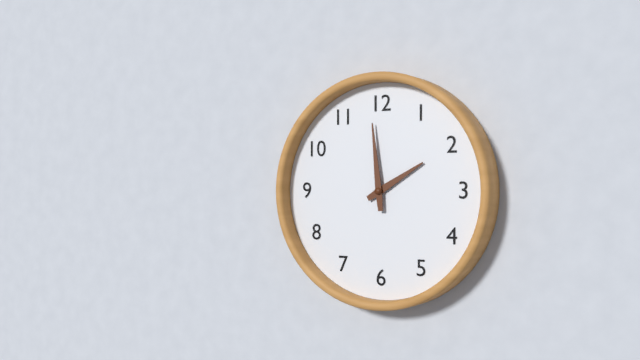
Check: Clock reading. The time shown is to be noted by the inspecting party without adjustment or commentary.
1:59
